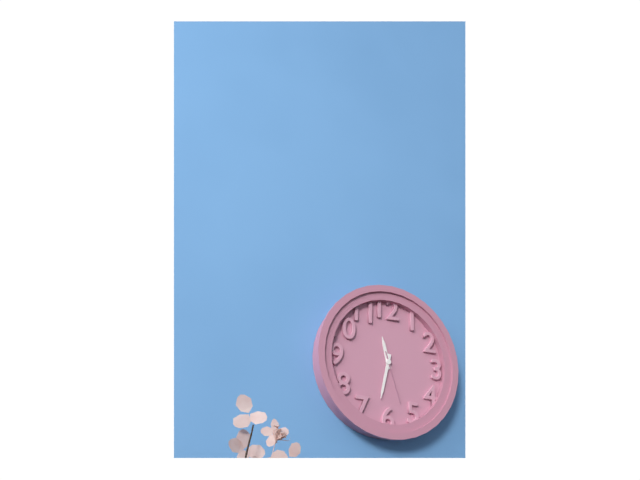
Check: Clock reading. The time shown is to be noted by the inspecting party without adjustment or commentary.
11:32:27
